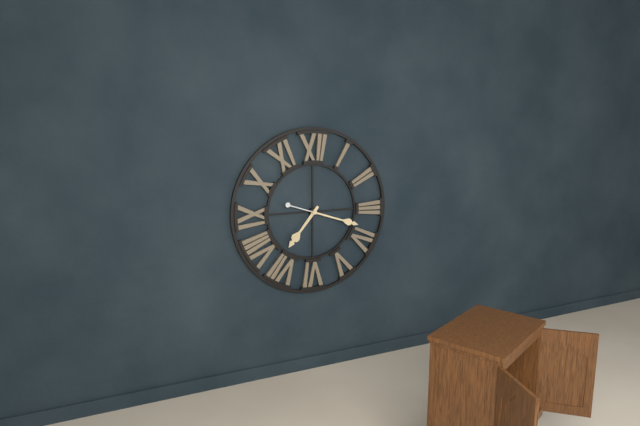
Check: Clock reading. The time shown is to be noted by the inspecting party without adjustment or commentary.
7:18
